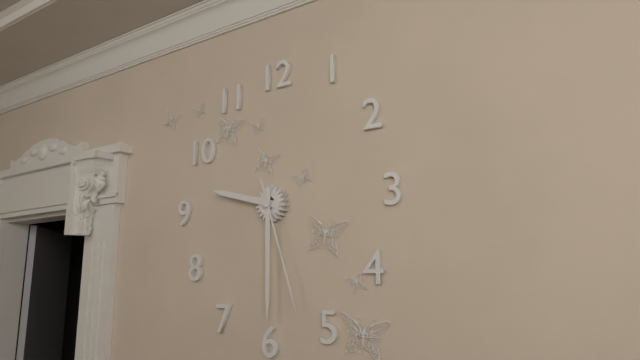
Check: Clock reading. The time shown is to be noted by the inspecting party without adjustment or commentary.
9:30:27
